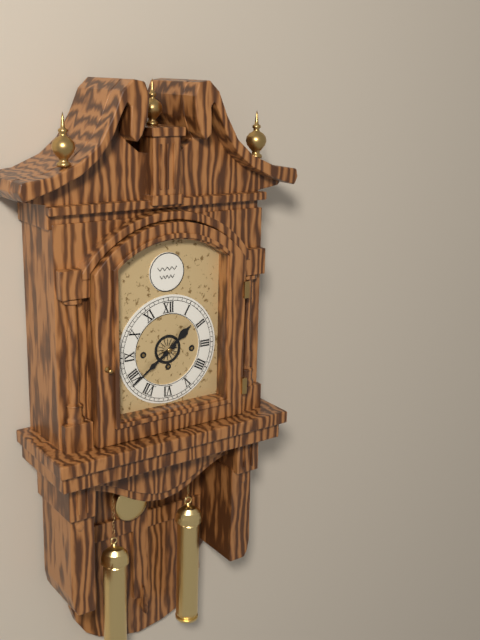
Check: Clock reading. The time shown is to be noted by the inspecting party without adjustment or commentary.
1:39
